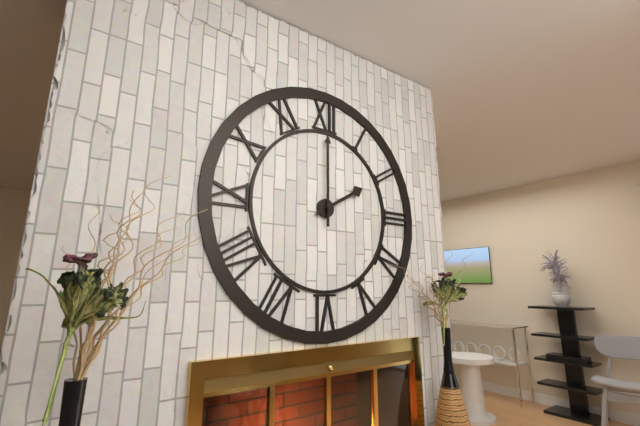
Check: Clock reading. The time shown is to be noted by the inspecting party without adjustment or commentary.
2:00
